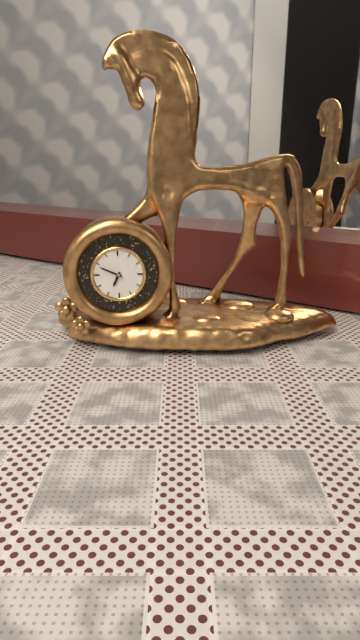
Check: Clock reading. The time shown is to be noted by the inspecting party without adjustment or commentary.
6:49
